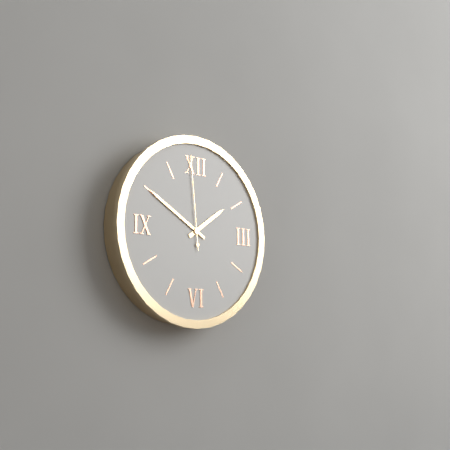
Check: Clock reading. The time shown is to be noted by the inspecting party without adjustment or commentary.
1:50:59
